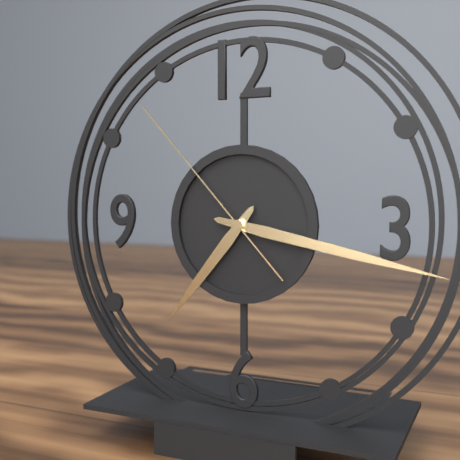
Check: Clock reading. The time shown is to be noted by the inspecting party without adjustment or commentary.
7:17:53
